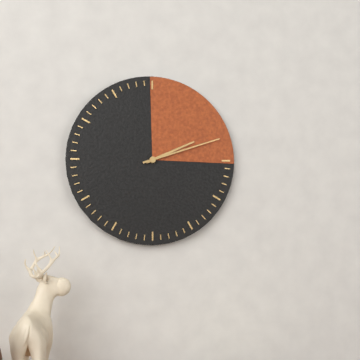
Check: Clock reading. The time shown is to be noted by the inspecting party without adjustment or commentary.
2:12
